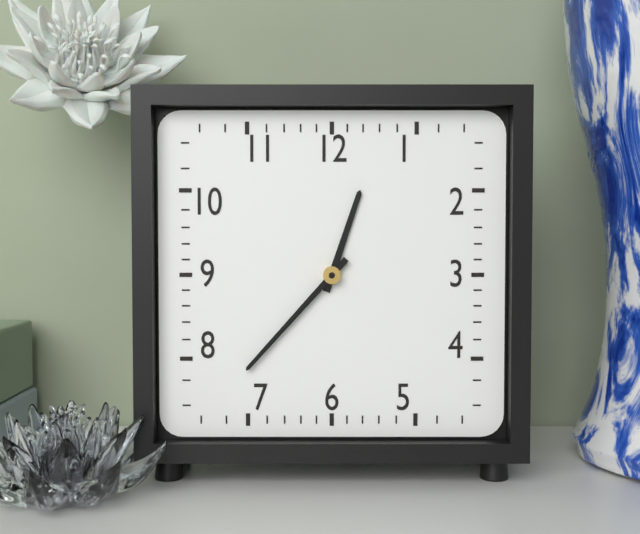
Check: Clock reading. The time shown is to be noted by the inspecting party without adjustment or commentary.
12:37
